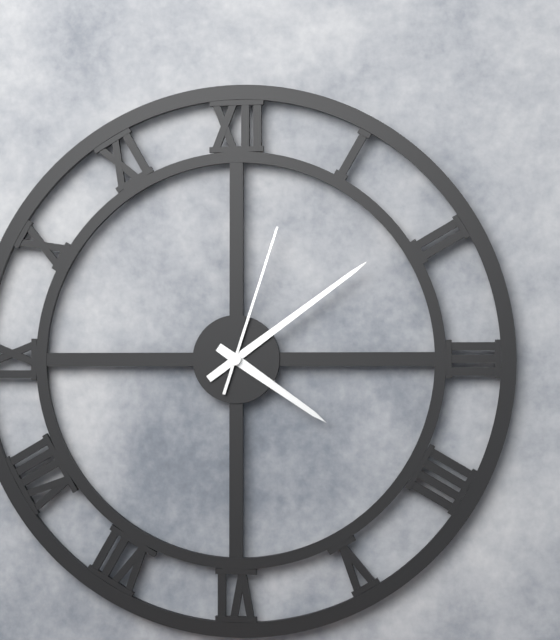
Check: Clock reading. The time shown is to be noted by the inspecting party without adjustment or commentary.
4:09:03
